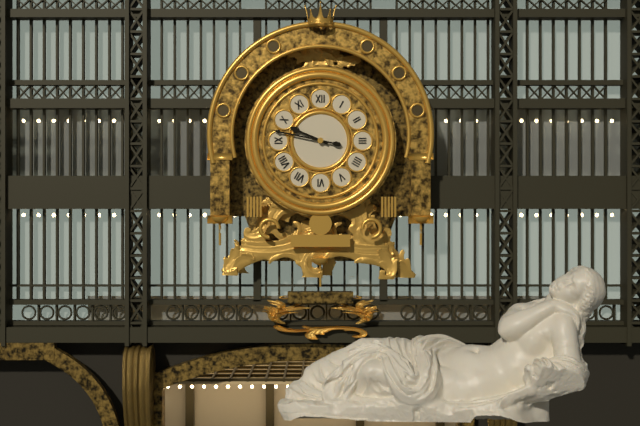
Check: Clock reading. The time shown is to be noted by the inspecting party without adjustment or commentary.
9:47
